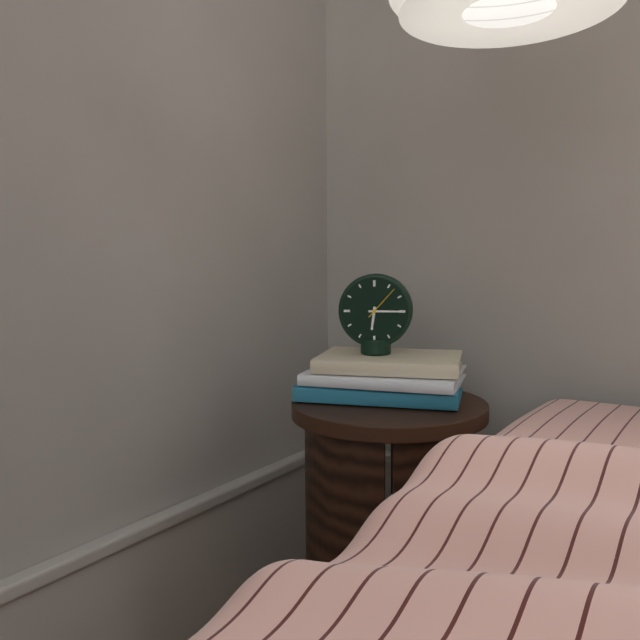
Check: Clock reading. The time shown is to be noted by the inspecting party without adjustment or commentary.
6:15
